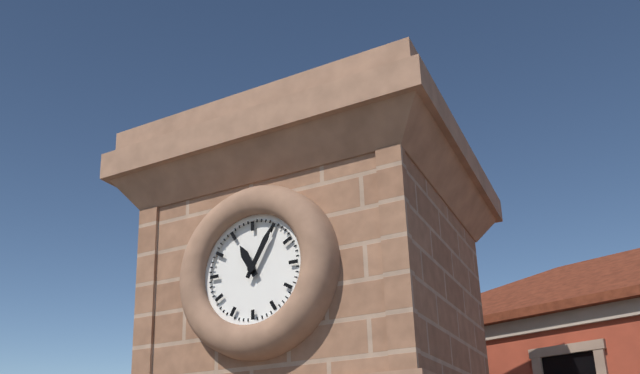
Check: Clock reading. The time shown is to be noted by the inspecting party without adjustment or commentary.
11:05
